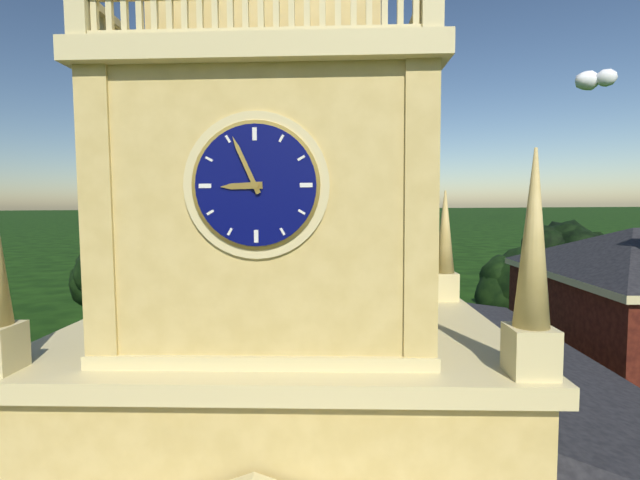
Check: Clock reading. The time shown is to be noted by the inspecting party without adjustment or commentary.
8:56
